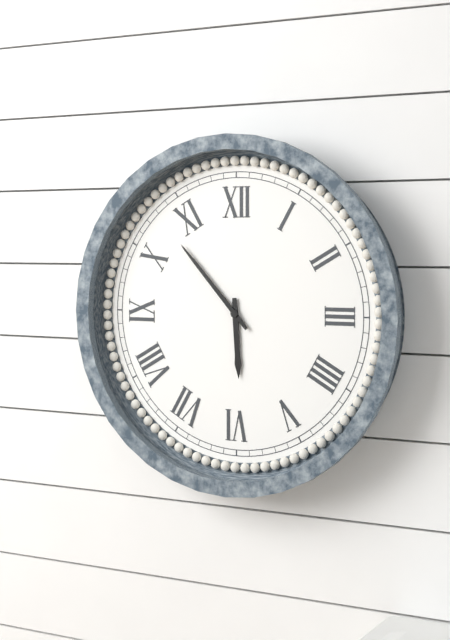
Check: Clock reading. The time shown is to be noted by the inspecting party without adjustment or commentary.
5:53
